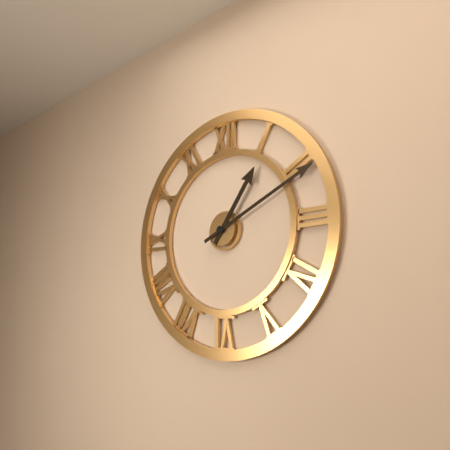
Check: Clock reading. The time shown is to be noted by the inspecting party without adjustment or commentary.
1:11
